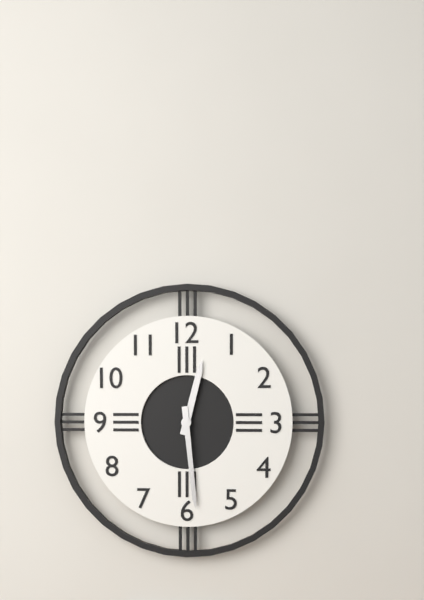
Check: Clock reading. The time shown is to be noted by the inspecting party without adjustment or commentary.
12:29
